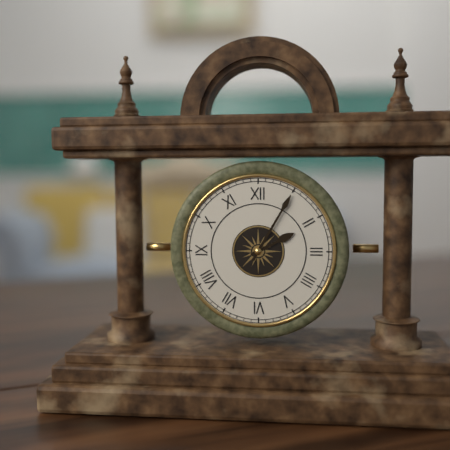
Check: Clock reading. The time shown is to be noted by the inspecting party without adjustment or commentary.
2:05
